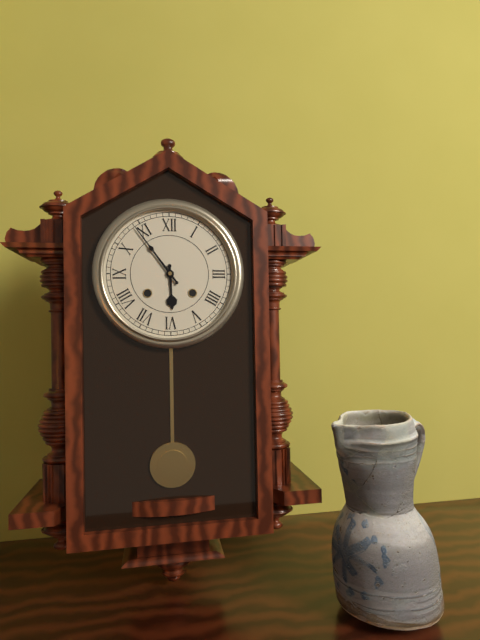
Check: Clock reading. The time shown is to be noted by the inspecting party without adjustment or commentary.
5:54
